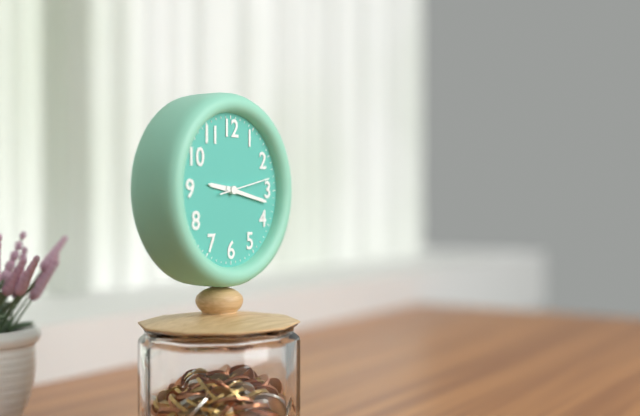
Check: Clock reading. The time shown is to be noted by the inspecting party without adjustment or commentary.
9:17
